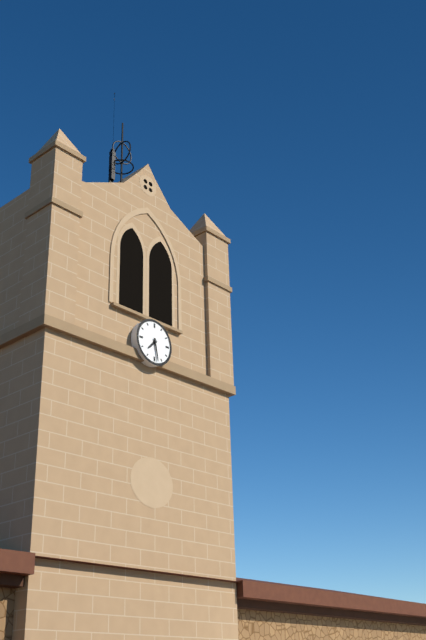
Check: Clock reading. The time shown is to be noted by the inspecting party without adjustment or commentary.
7:28
